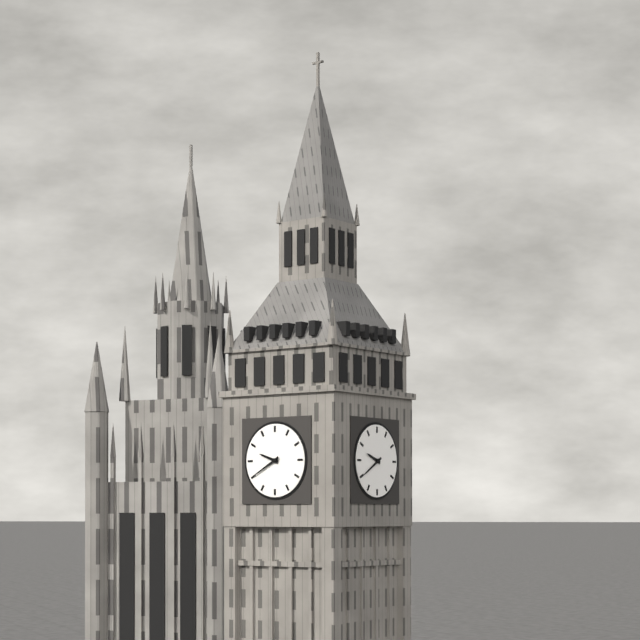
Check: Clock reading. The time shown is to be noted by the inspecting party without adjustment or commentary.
9:40
